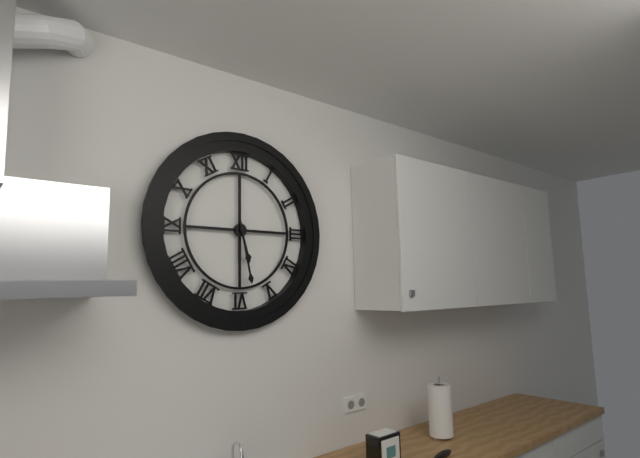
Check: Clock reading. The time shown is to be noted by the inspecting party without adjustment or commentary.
5:28
